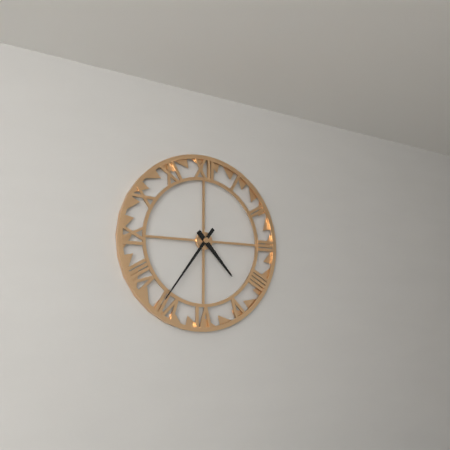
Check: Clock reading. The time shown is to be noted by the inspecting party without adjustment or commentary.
4:36
